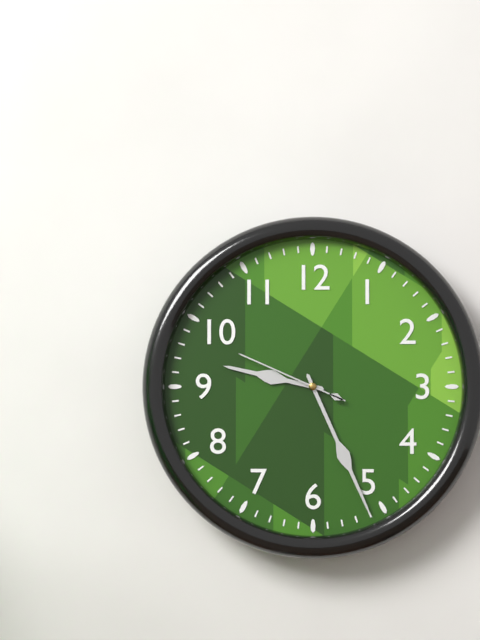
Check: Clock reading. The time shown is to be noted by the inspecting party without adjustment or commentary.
9:26:49
